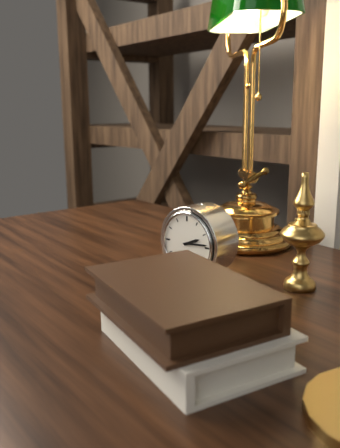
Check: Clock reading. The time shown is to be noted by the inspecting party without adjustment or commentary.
2:14
